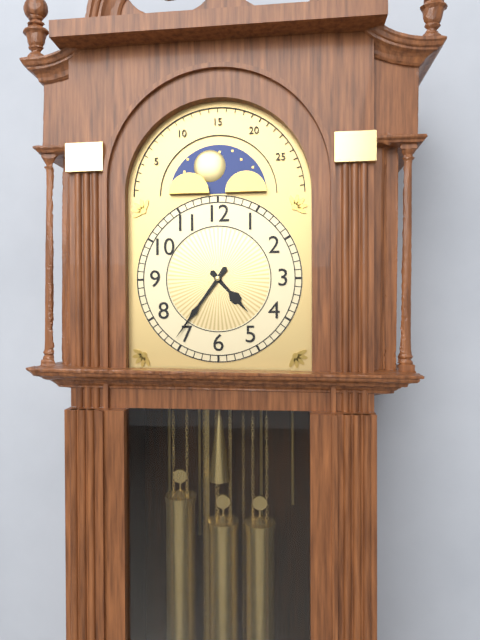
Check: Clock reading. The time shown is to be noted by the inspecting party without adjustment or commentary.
4:36
